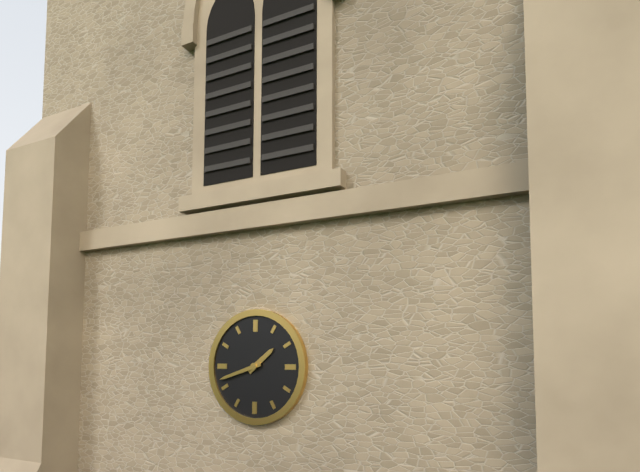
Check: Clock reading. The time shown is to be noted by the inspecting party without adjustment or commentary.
1:42
